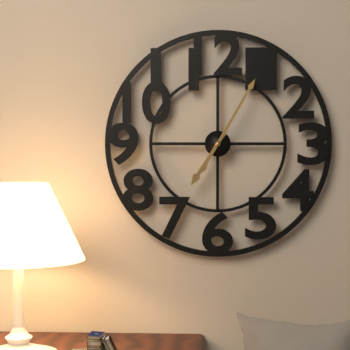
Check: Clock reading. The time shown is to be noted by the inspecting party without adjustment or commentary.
7:05
